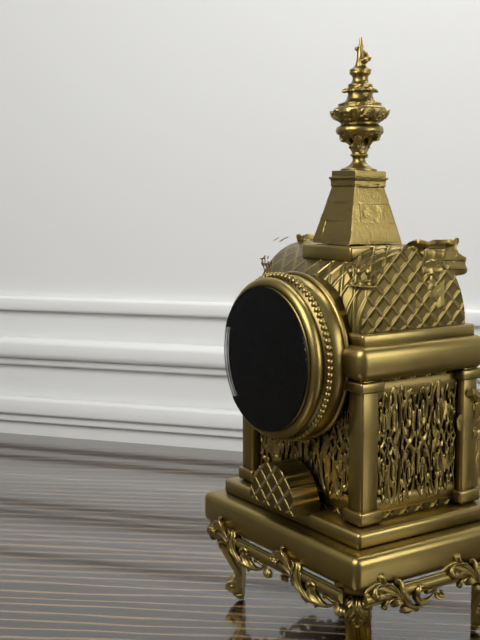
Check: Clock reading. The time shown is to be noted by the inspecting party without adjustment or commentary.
10:24
